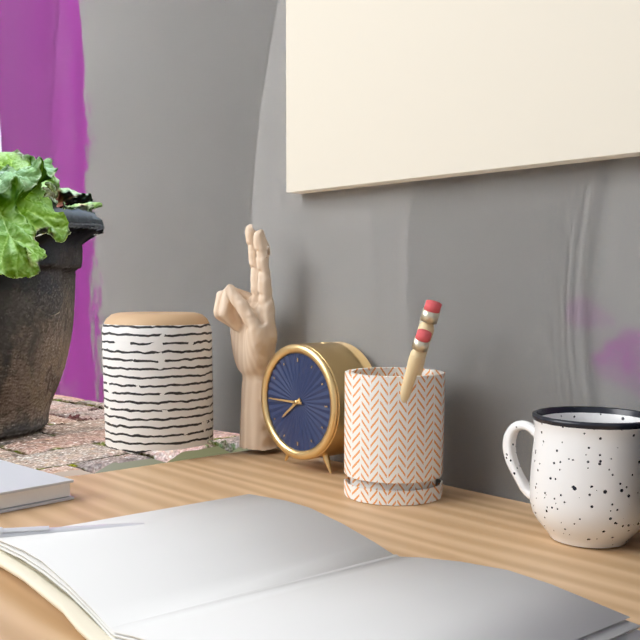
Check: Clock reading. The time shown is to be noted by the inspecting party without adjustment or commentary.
7:45
